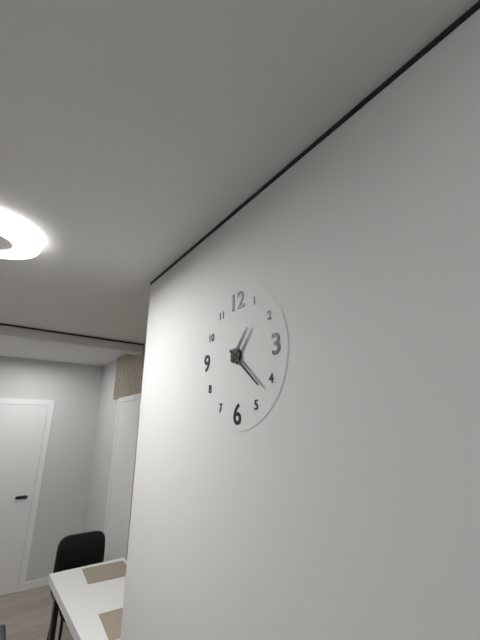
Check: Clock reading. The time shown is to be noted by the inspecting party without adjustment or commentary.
1:22
